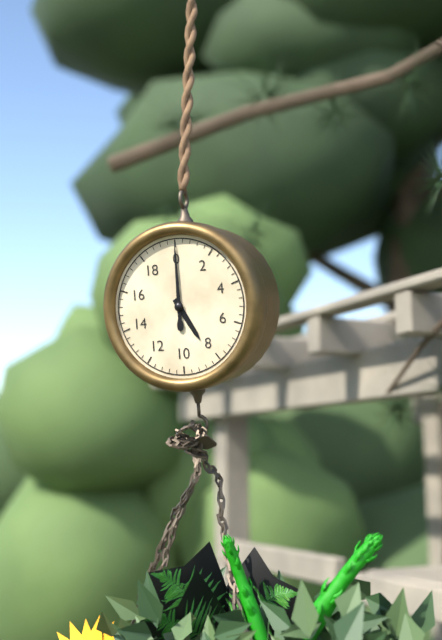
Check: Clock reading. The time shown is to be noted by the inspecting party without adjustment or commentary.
5:00
